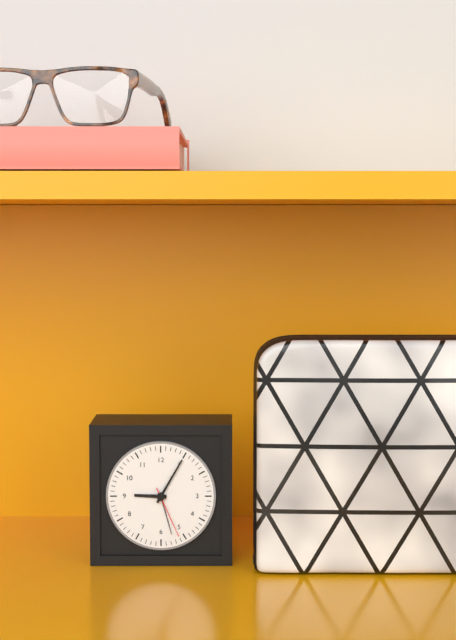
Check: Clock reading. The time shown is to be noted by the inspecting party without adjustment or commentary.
9:05:26
